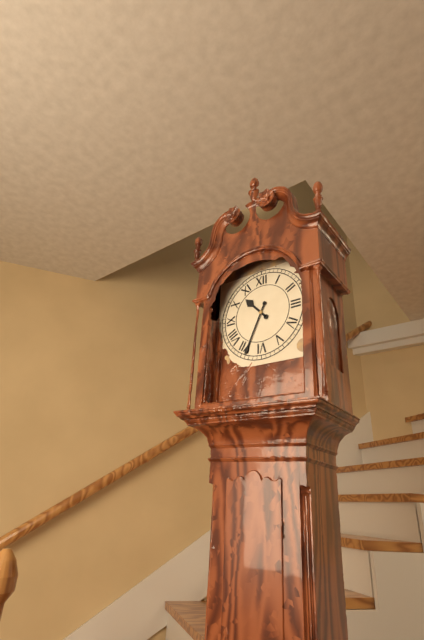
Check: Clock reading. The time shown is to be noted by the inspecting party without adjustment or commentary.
10:34
